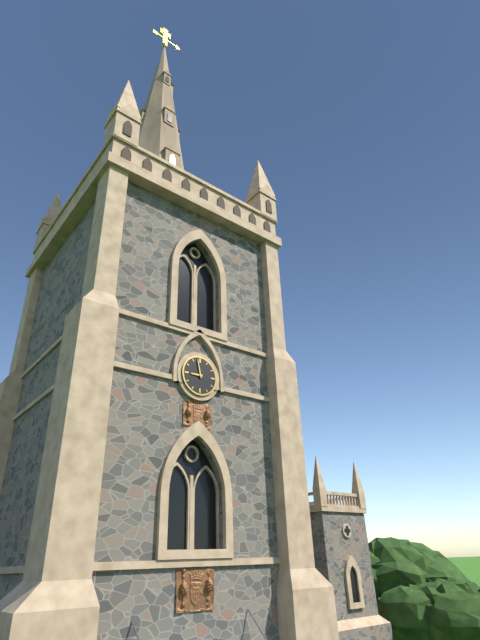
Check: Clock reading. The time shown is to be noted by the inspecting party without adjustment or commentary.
8:58
